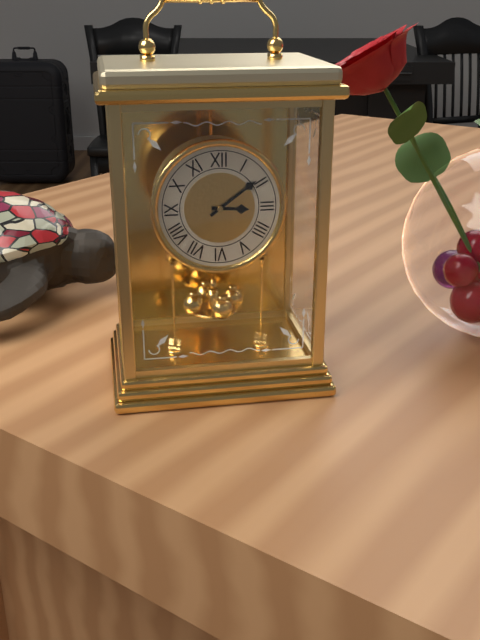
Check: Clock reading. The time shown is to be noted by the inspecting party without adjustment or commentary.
3:09
